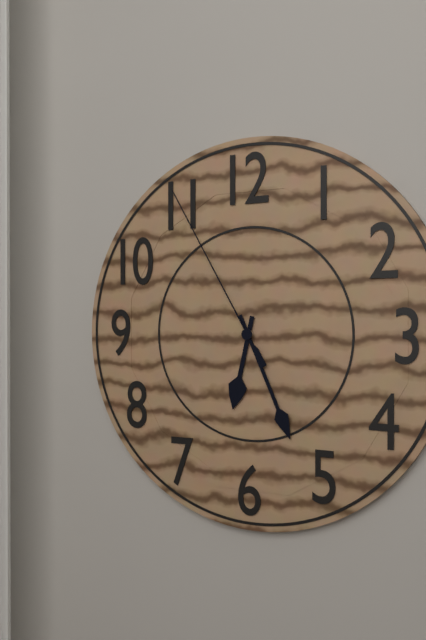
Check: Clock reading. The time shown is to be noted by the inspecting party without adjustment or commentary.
6:26:55
